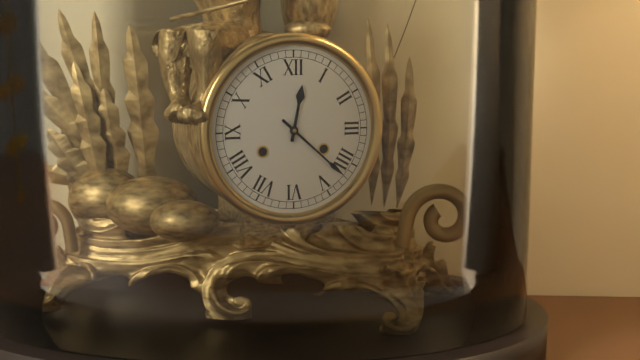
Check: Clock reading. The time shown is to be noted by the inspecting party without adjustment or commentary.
12:22
